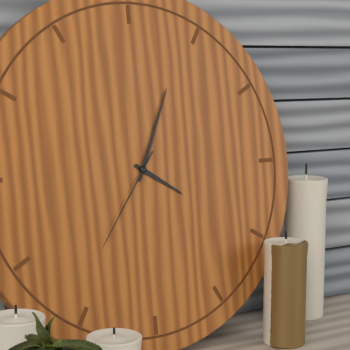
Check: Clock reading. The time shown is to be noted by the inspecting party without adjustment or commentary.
4:04:36
